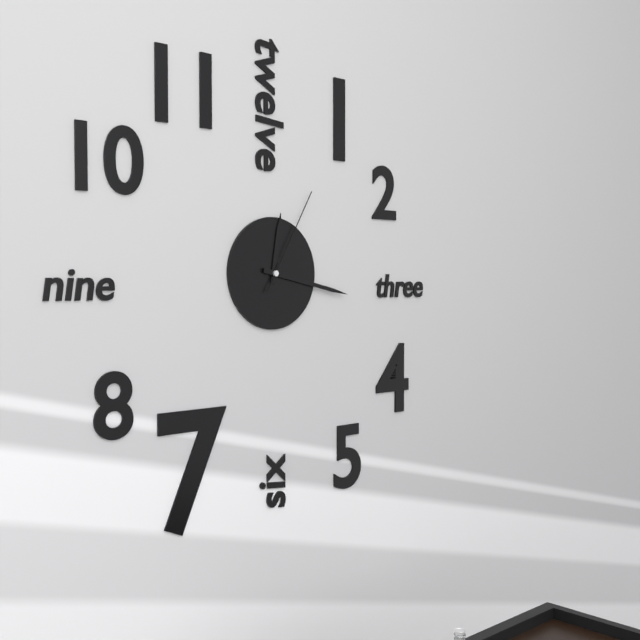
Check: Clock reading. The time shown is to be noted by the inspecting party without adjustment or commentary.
12:17:05
